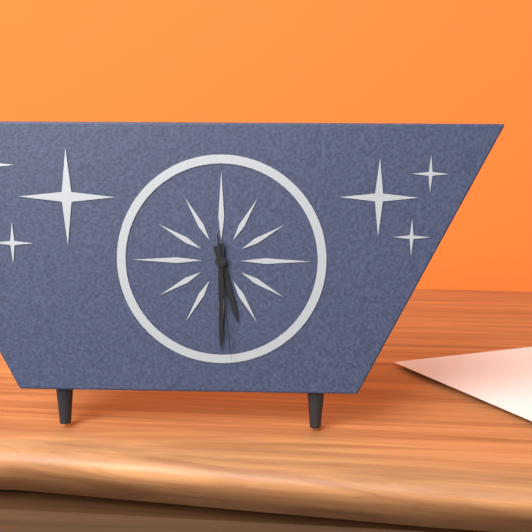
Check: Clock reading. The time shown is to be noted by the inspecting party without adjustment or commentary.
5:30:29
